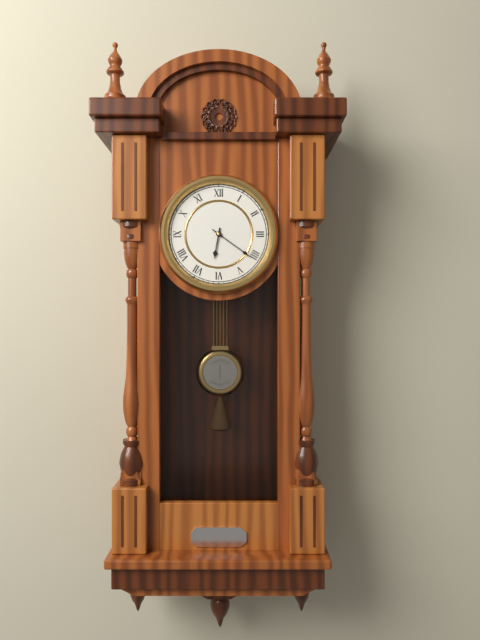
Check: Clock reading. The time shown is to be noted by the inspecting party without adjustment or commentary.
6:21
